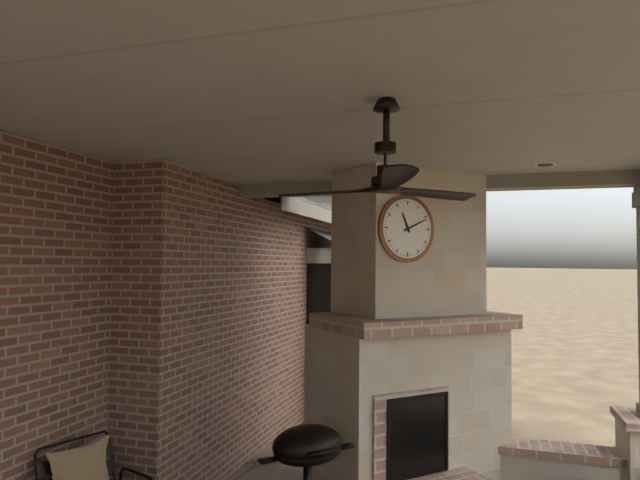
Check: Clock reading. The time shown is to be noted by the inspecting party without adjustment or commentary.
11:11
